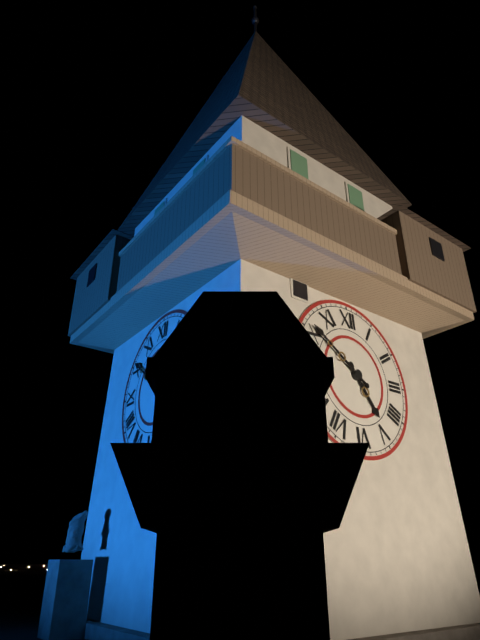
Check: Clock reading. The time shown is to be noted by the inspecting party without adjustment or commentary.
4:51
